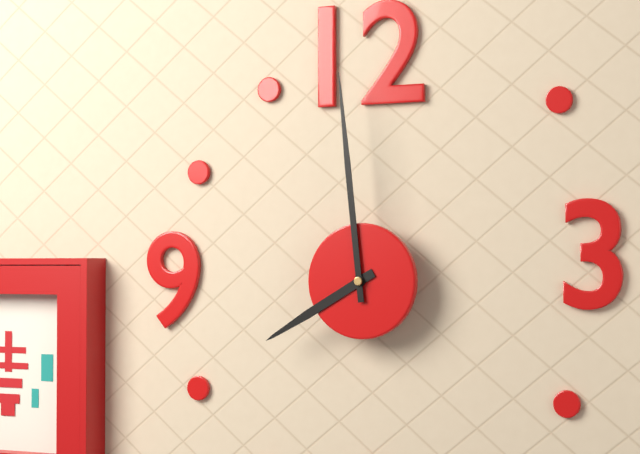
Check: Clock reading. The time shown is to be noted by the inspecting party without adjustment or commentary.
7:59
